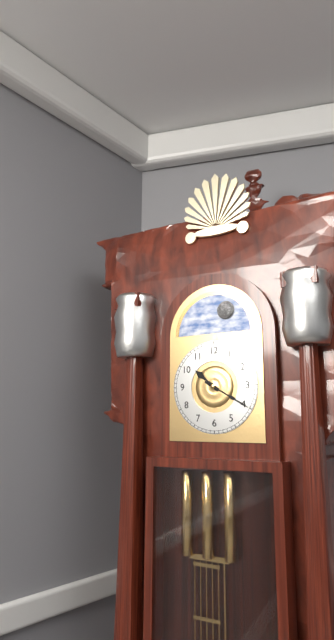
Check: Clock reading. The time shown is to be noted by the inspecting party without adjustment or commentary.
10:20
